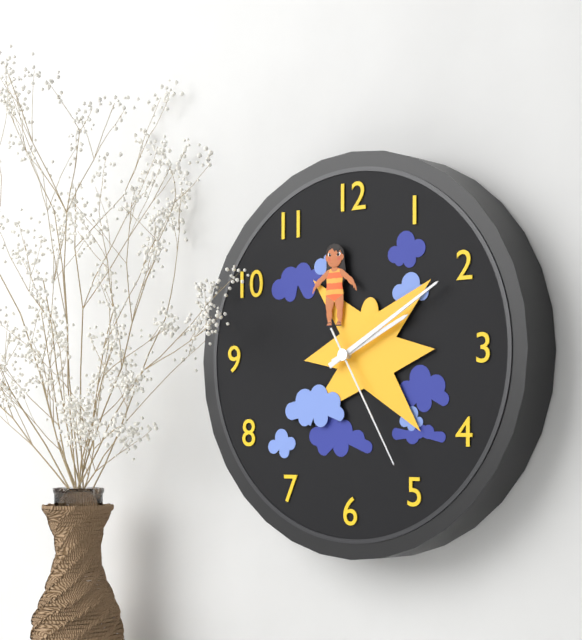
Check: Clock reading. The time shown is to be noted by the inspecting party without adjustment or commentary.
2:10:25
